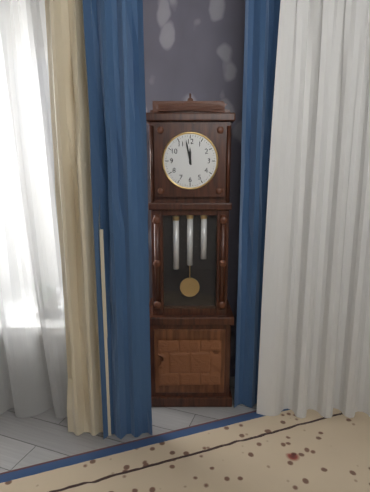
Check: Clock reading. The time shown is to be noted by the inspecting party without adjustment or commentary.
11:58
